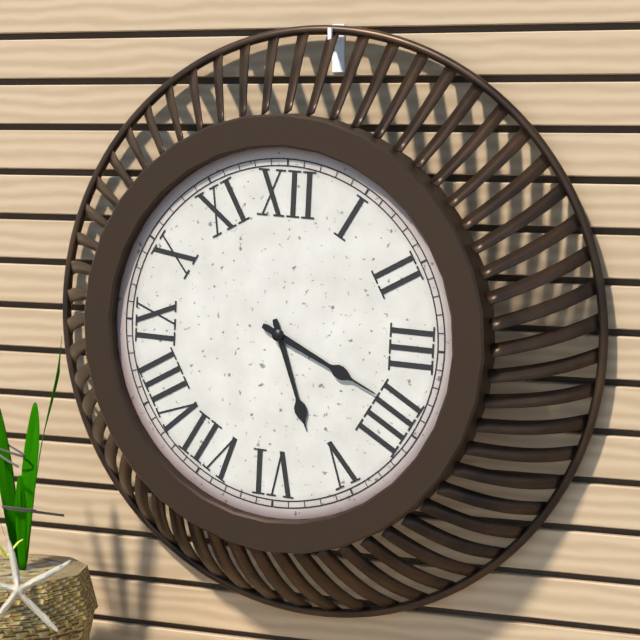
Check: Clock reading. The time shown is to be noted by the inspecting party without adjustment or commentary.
5:19
